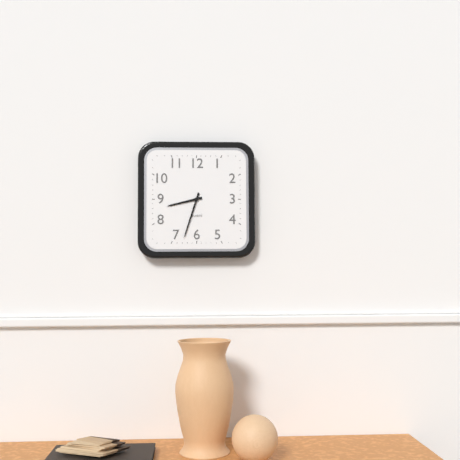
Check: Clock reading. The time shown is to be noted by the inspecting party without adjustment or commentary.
8:33
